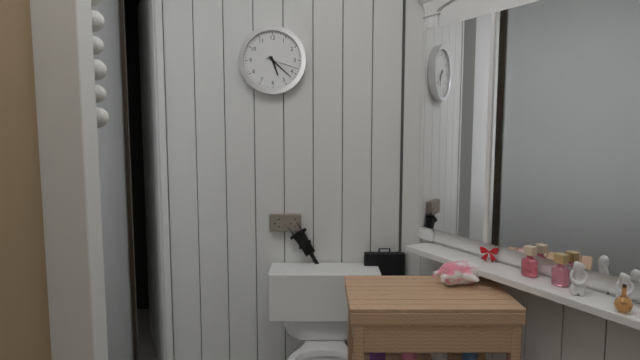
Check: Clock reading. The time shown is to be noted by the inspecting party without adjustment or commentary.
5:22
